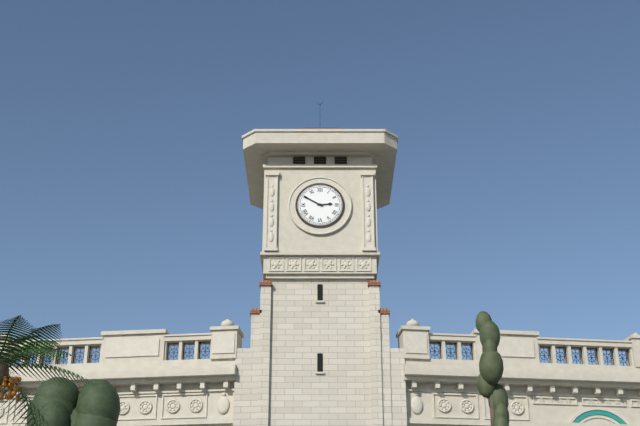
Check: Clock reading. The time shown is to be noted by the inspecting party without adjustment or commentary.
2:50
